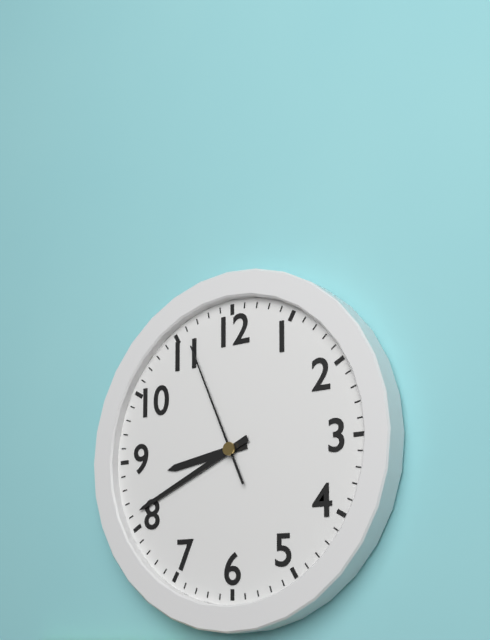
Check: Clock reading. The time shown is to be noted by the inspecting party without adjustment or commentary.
8:41:56
